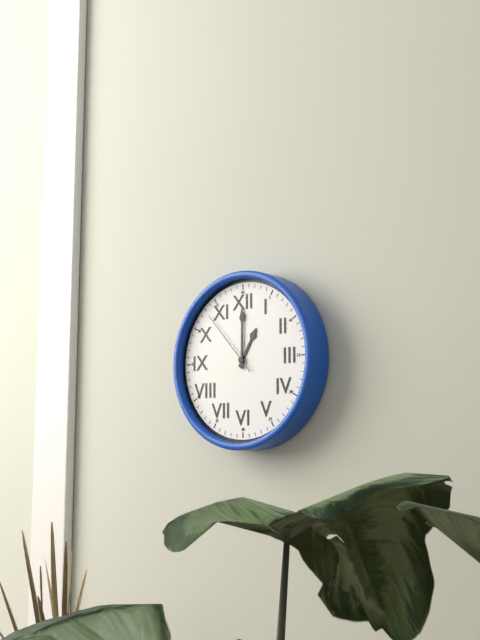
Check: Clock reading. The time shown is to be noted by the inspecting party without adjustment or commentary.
1:00:53
